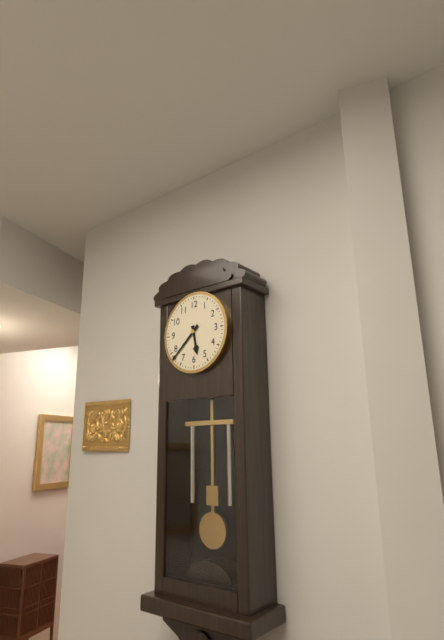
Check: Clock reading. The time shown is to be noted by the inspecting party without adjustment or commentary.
5:38
